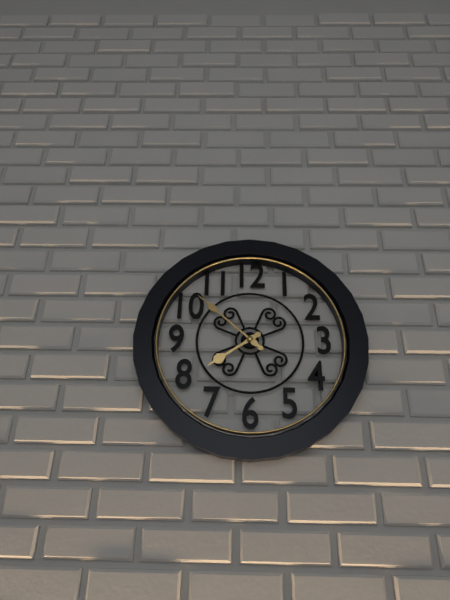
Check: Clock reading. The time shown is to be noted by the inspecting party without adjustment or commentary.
7:52
